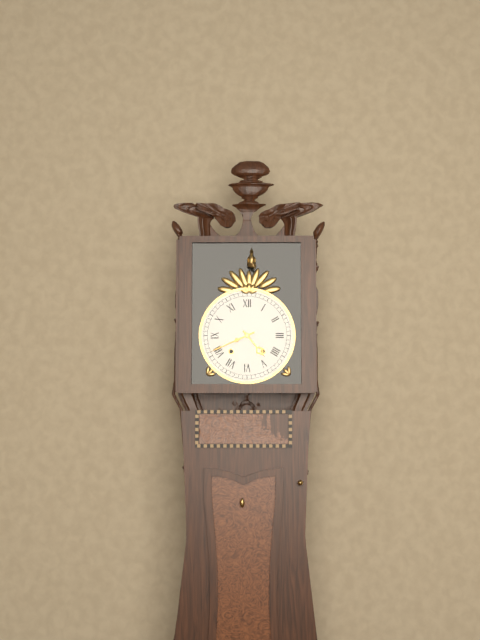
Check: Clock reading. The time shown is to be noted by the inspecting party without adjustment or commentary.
4:41
